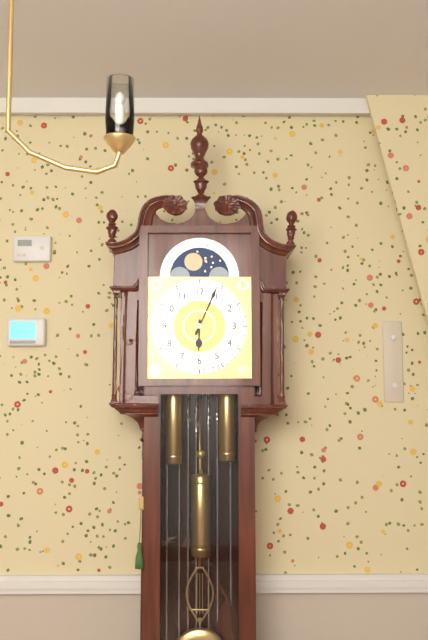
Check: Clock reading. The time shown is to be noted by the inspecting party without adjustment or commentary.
6:04
